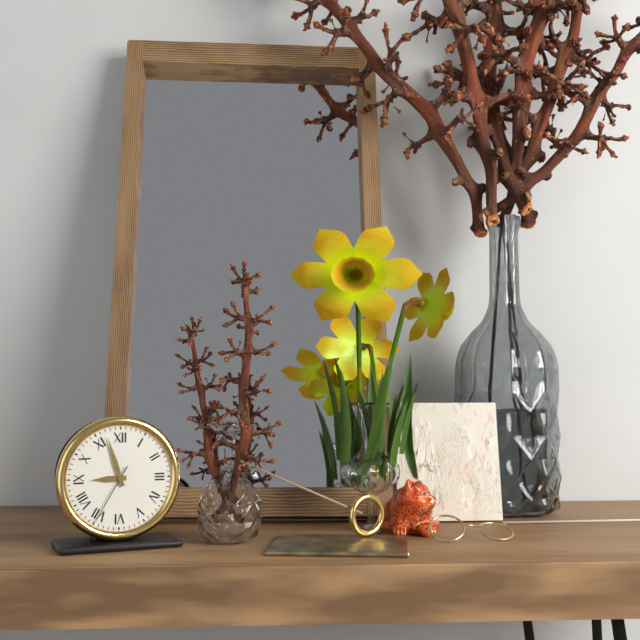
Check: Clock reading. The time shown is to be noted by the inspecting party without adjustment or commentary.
8:57:35
